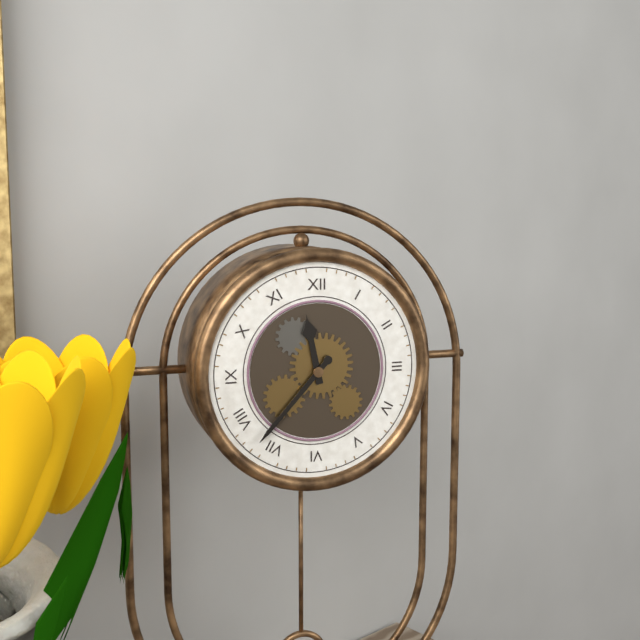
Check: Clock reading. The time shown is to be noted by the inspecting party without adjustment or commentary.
11:37
